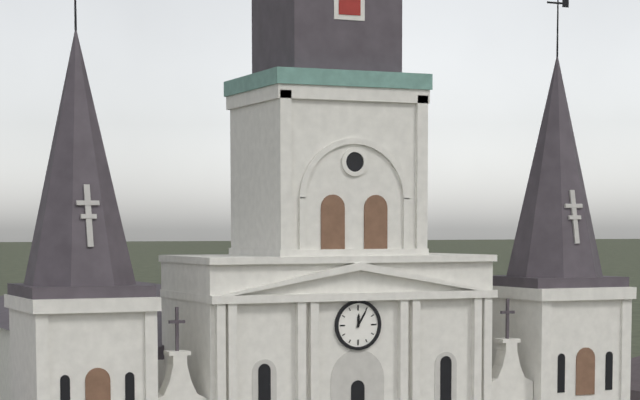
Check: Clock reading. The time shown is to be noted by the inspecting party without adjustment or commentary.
12:05
